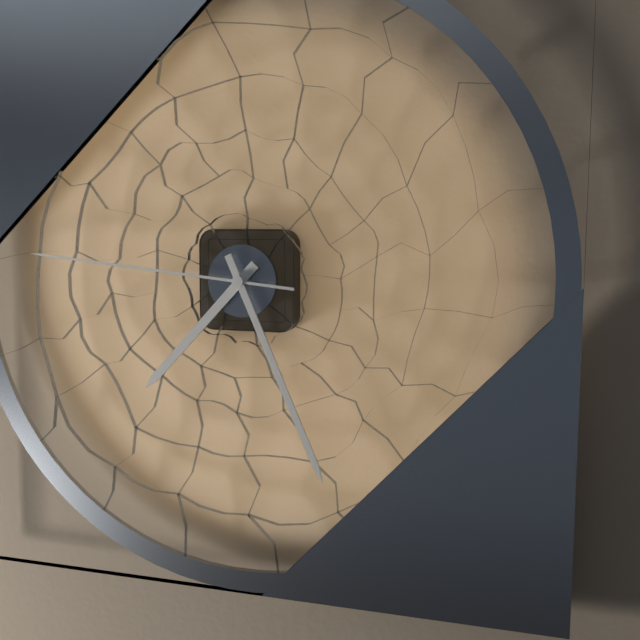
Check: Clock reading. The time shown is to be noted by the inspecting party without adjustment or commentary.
7:26:46
